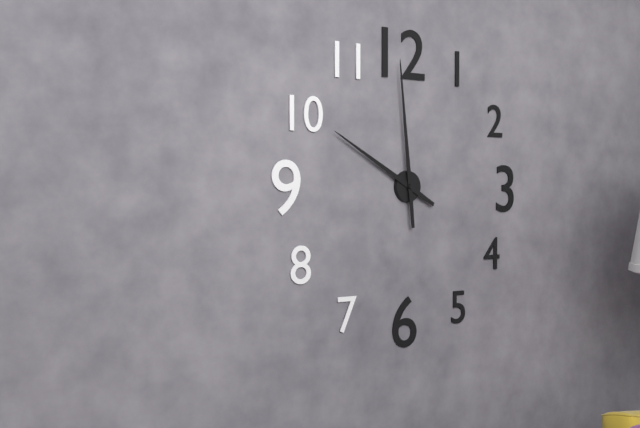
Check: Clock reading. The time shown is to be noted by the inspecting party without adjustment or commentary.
9:59
